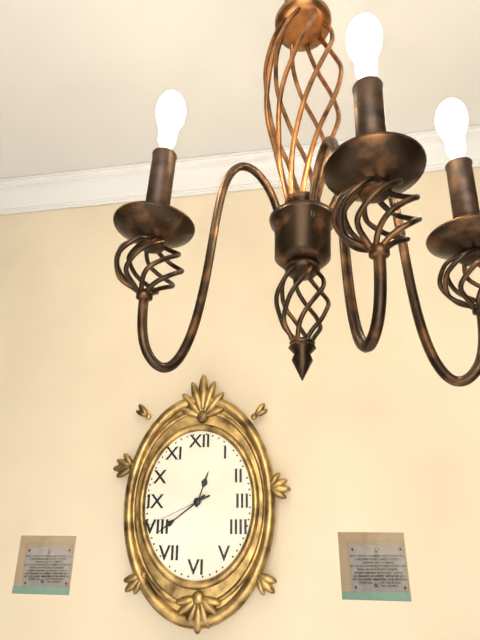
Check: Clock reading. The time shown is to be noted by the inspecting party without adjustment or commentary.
12:39:41
